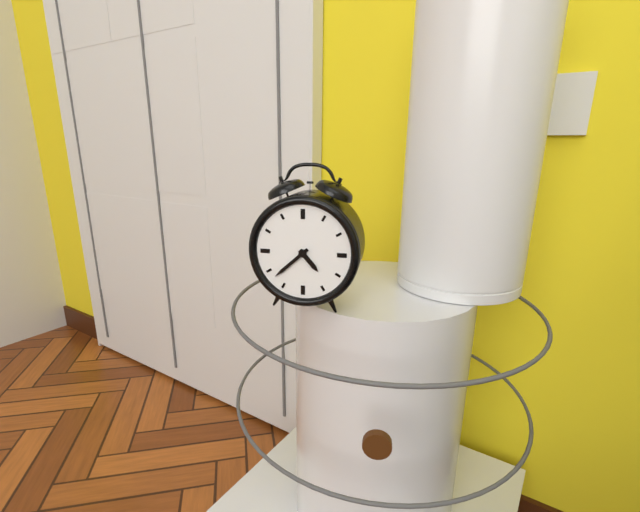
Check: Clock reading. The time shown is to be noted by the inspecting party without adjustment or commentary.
4:38
